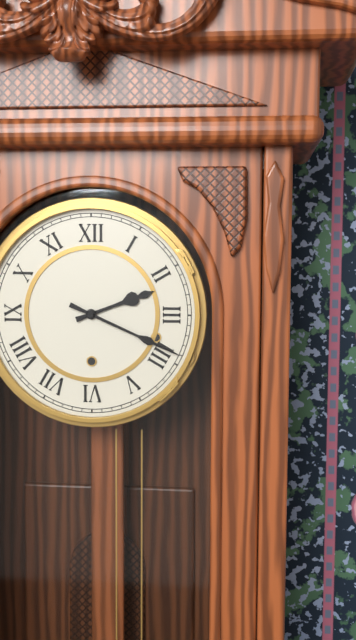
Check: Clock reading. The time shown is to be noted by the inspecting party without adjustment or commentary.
2:19
